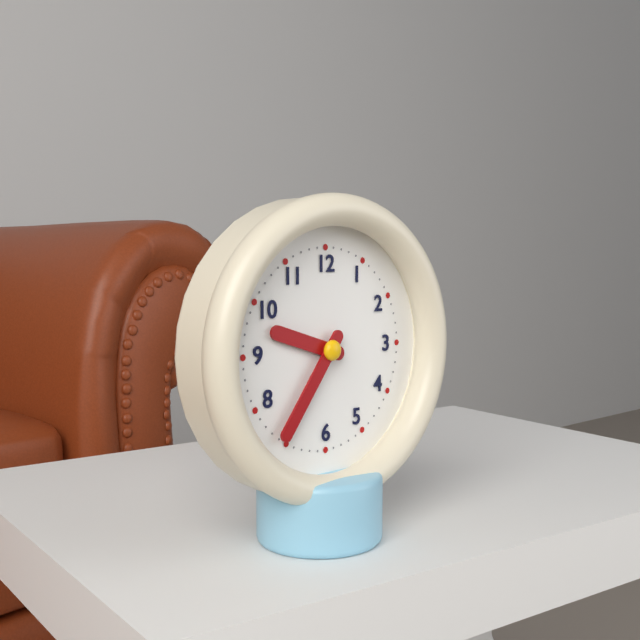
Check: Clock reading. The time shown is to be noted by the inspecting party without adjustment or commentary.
9:36
